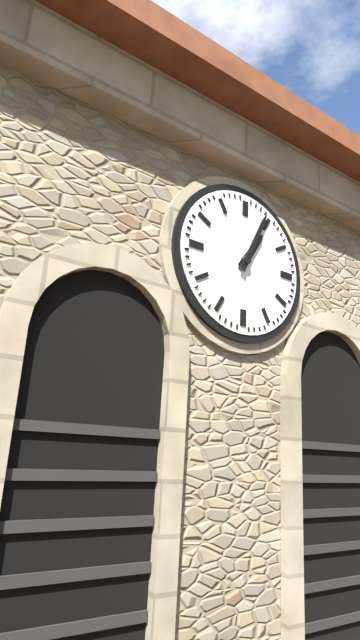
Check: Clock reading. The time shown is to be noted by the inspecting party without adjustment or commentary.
1:04
